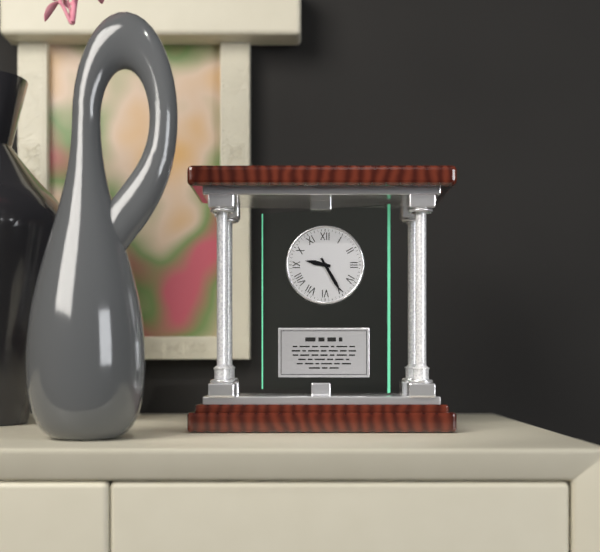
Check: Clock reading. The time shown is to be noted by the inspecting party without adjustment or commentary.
9:25
